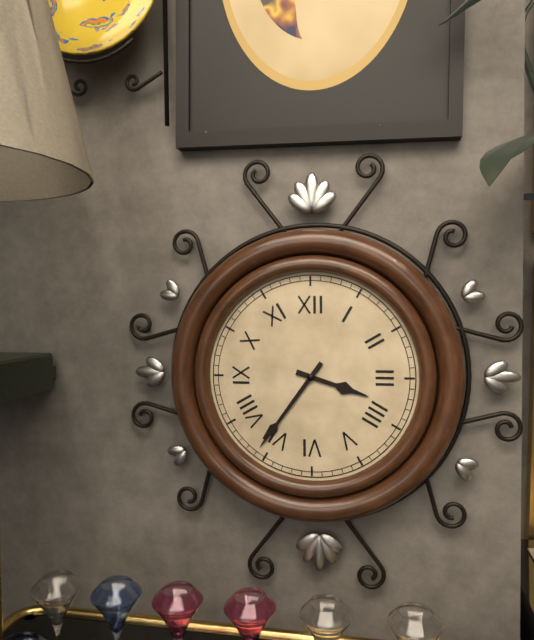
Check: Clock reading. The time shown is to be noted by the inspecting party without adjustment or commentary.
3:36
